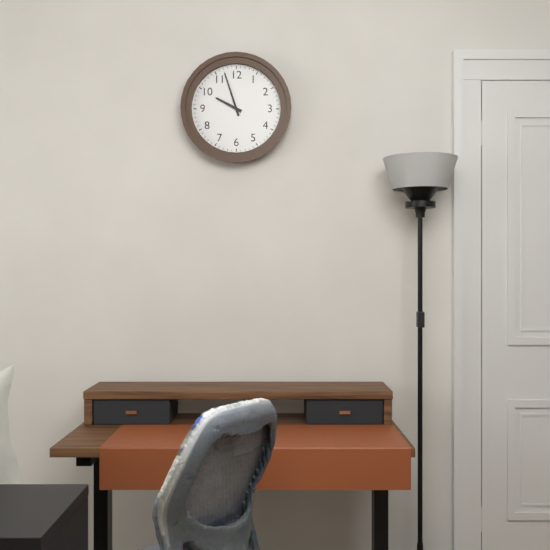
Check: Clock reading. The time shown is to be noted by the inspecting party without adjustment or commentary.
9:57
